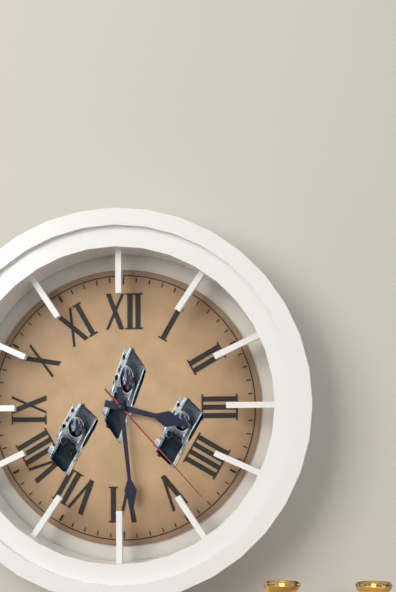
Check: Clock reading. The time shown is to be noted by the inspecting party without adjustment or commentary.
3:29:23
